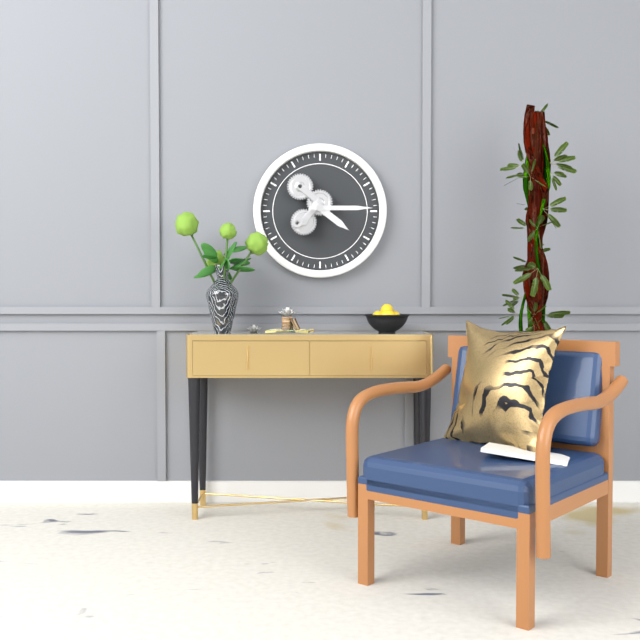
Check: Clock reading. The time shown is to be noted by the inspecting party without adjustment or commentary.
4:15
